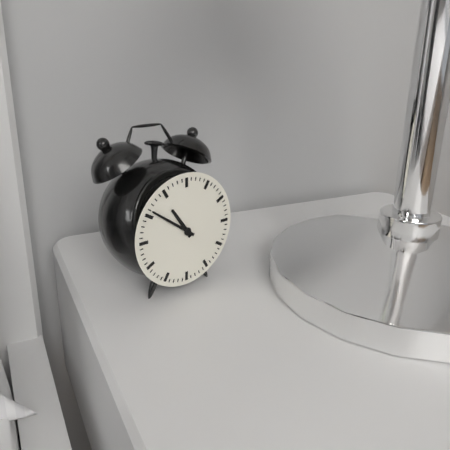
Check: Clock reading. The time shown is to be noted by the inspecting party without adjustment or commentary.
10:51
